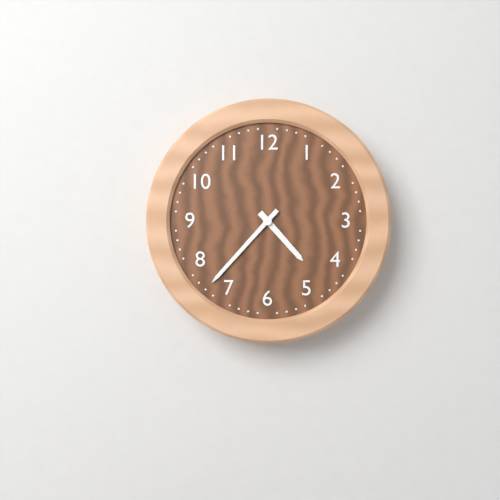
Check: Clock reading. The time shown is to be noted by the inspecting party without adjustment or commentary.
4:37
